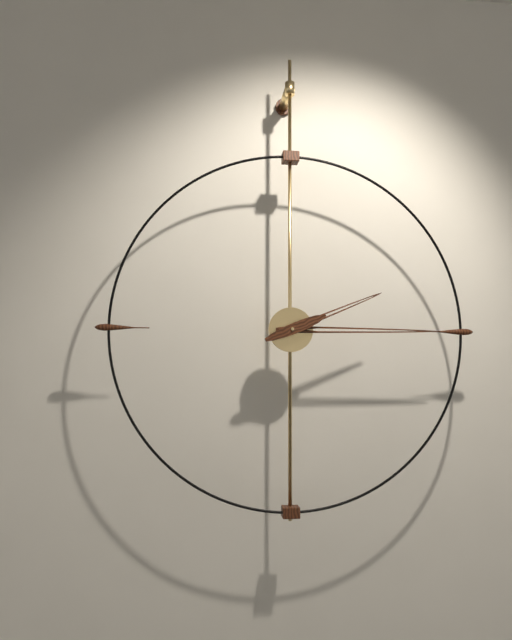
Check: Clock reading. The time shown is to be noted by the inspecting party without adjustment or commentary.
2:15
